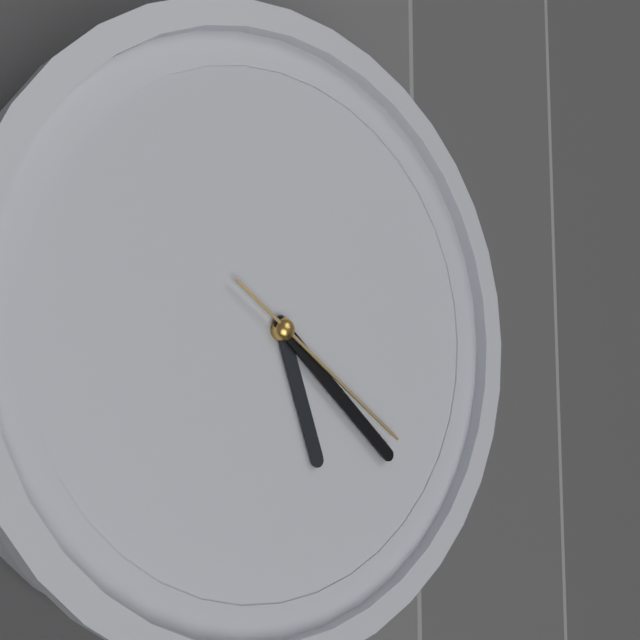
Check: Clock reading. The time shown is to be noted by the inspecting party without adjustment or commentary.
5:22:21
